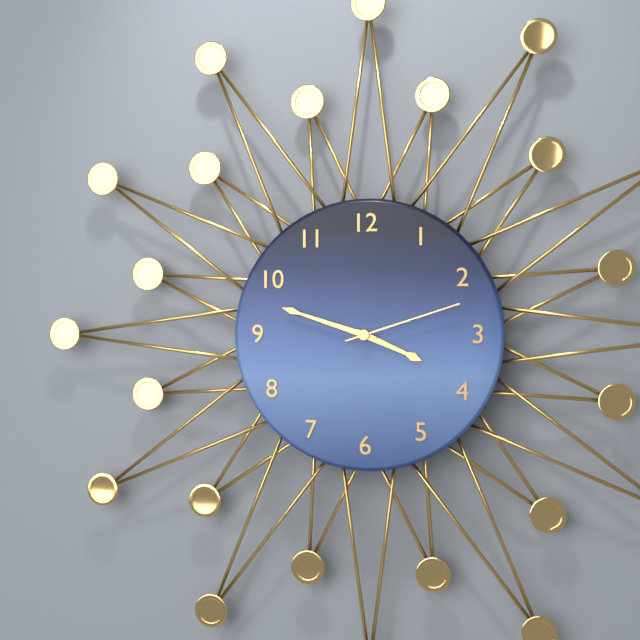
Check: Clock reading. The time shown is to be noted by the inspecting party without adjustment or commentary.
3:48:12
